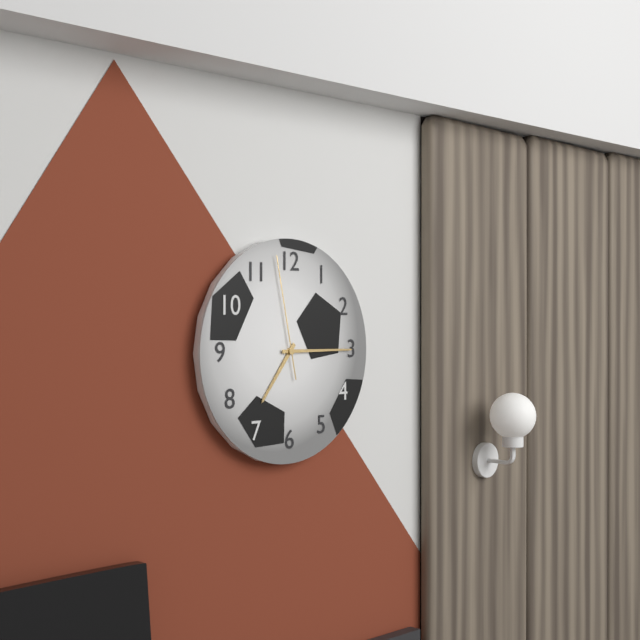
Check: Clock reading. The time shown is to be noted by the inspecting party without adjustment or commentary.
7:15:58
